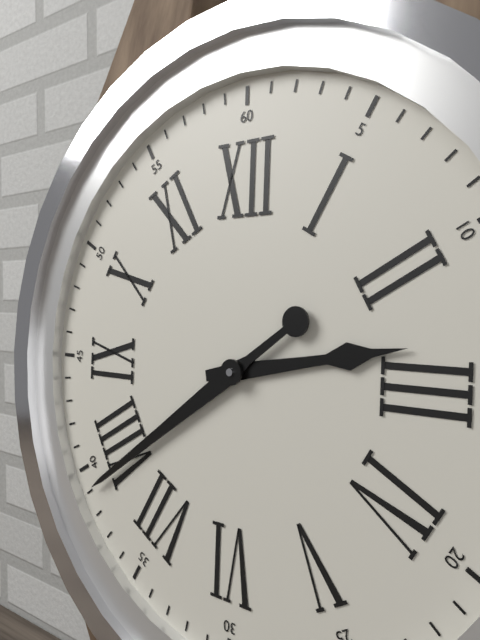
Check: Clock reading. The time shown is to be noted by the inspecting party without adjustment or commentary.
2:39
